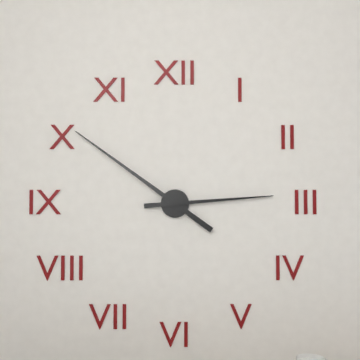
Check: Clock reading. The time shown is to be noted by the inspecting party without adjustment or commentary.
2:51
